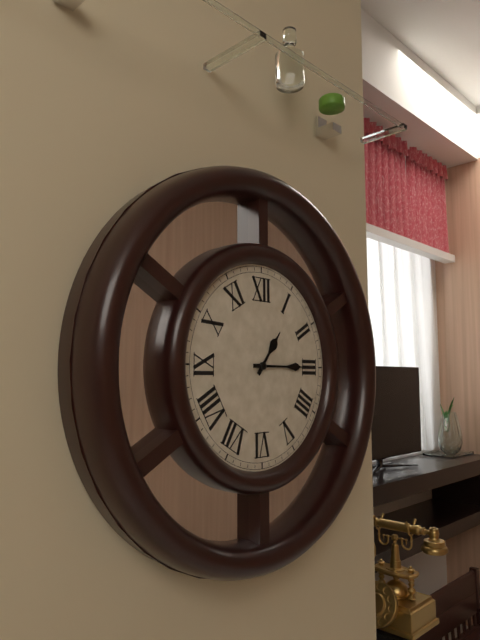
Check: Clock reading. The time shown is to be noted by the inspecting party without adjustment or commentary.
1:15
